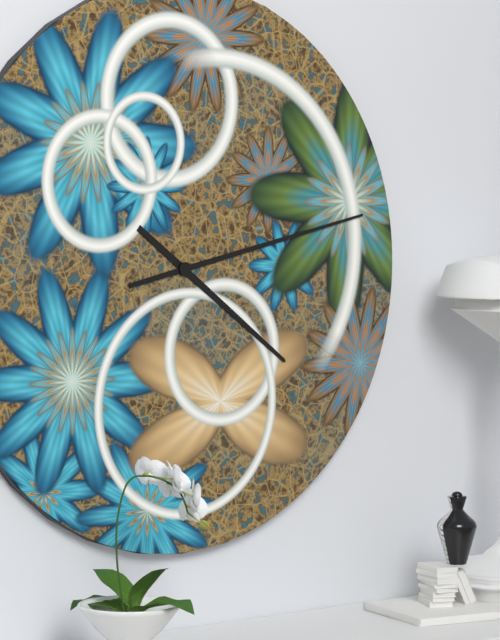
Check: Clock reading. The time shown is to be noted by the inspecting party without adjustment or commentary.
4:13
